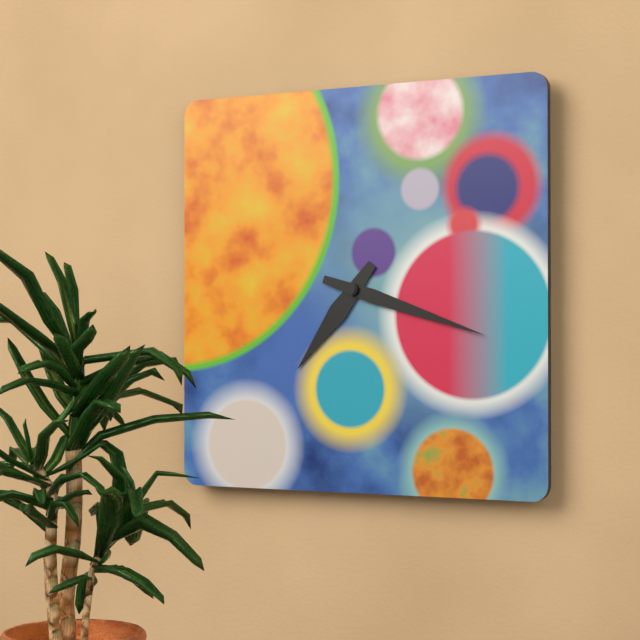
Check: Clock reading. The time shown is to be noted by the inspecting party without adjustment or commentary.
7:18
